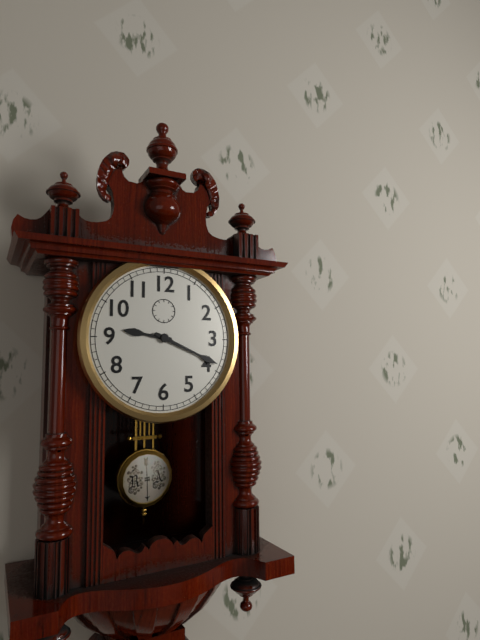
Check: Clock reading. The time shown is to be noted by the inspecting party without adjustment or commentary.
9:19
